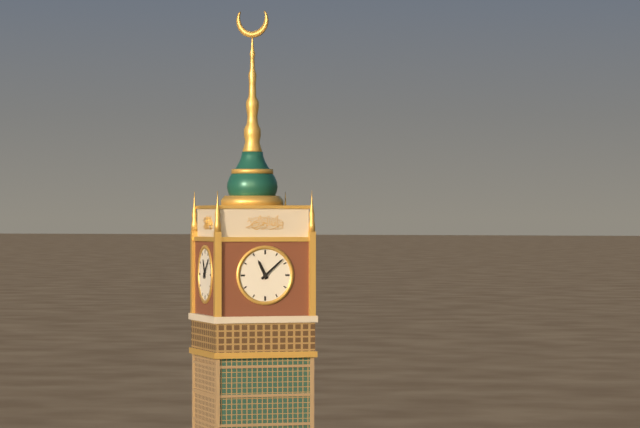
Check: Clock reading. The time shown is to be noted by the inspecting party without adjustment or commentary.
11:08
